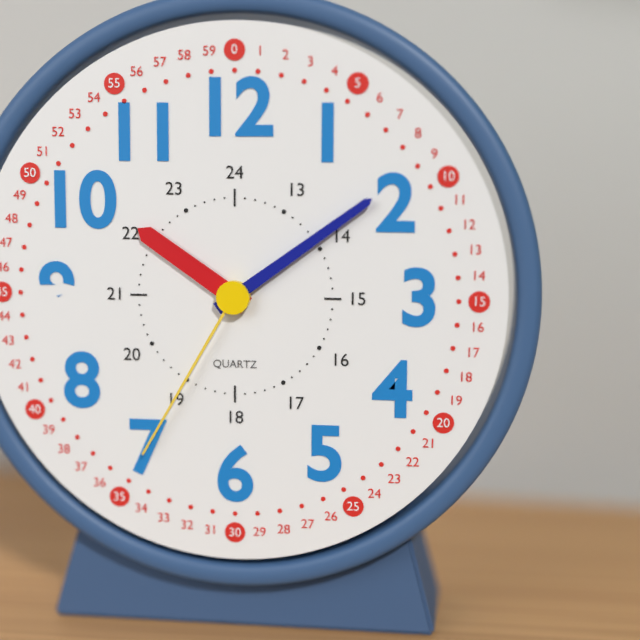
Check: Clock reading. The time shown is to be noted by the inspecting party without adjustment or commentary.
10:09:35
